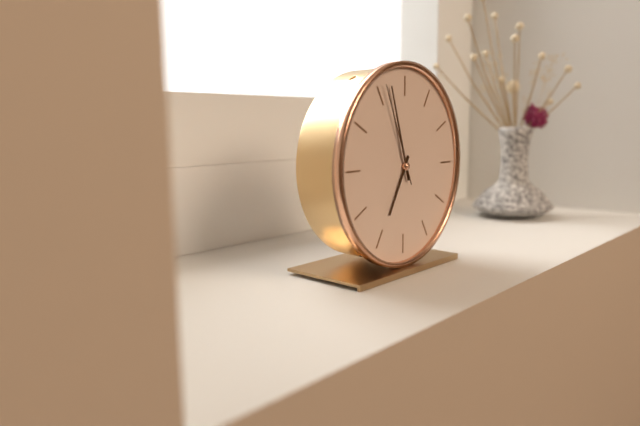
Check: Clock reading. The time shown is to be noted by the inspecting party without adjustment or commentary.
6:57:56
